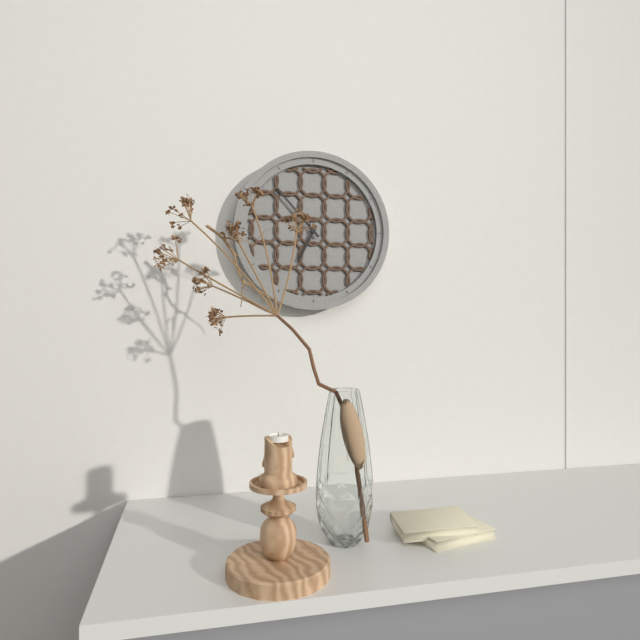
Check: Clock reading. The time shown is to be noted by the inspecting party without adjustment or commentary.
6:53
